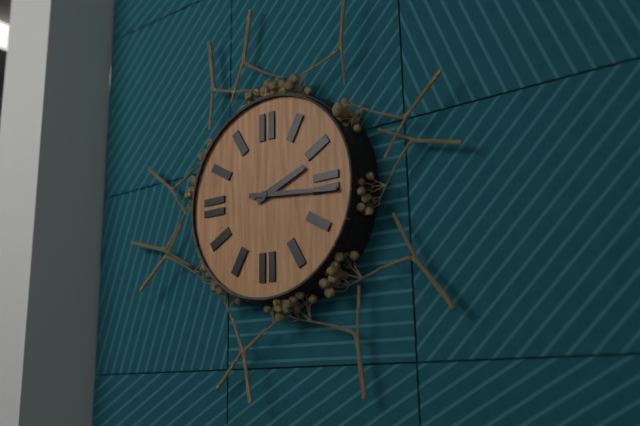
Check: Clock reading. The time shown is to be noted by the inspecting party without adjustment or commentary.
2:16
